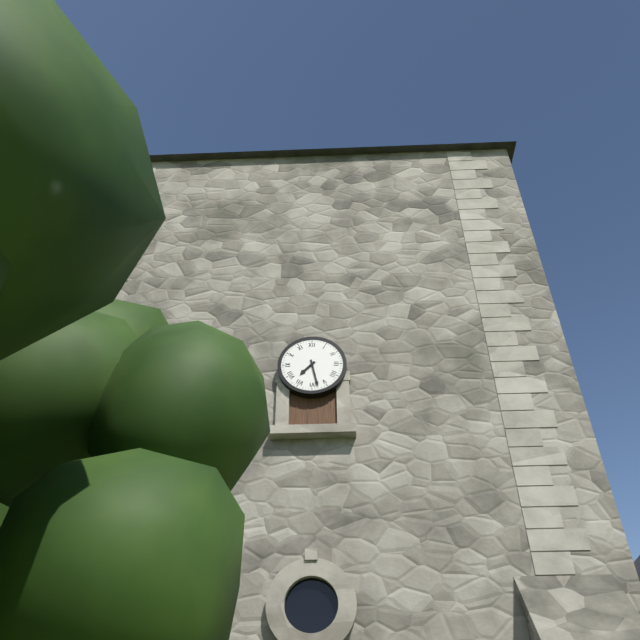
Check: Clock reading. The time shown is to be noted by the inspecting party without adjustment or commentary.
7:28
